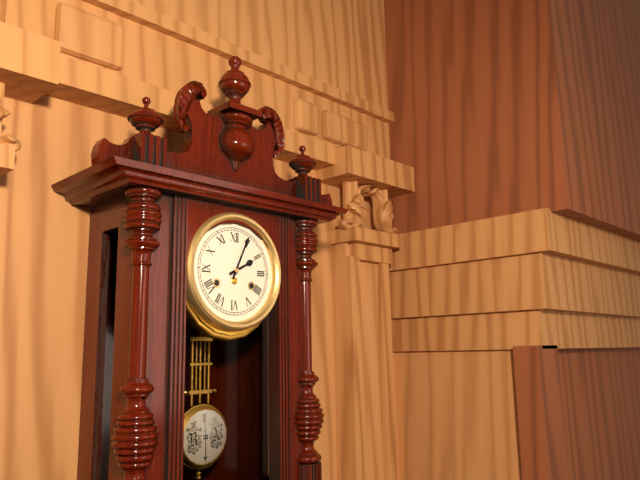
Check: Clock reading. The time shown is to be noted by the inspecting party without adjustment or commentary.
2:04
